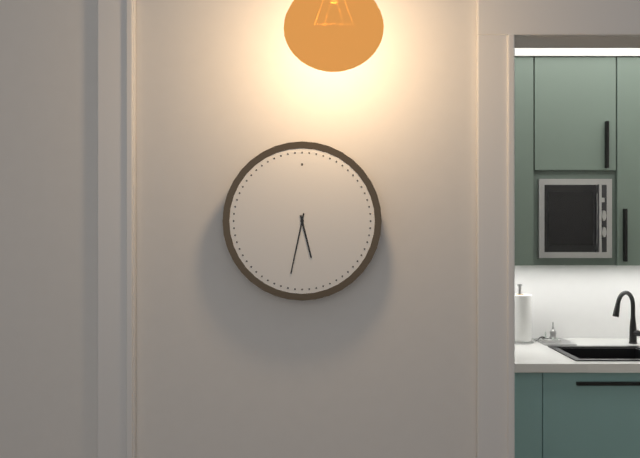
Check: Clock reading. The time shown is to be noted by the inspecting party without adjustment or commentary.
5:32
